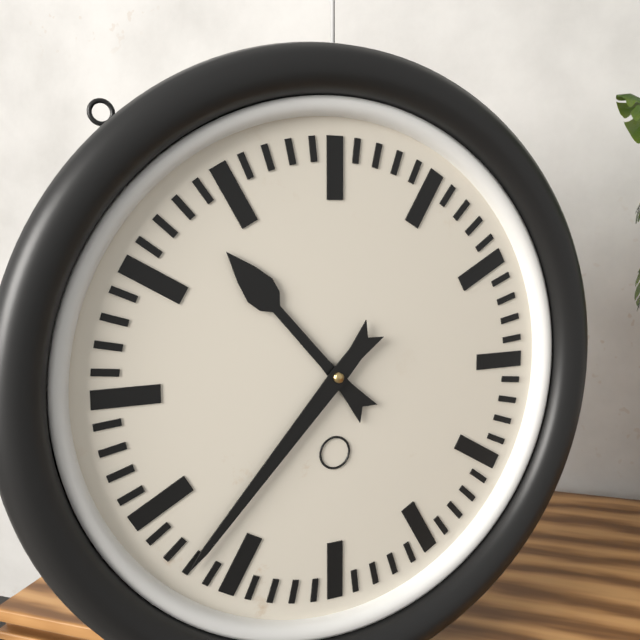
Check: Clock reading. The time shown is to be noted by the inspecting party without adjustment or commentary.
10:37
